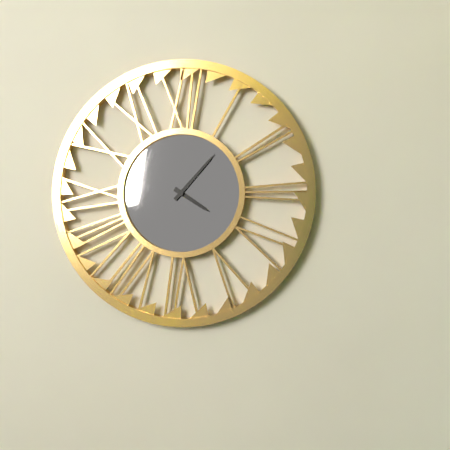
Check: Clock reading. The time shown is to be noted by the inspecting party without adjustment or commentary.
4:07
